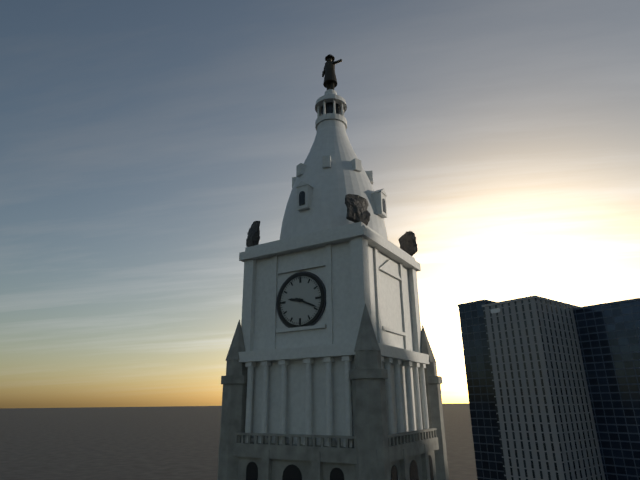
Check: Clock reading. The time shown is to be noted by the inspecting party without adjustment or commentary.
9:19
